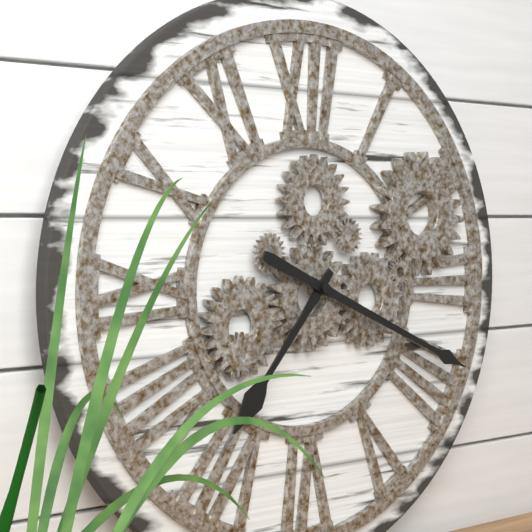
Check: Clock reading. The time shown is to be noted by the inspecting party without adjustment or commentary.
7:19
